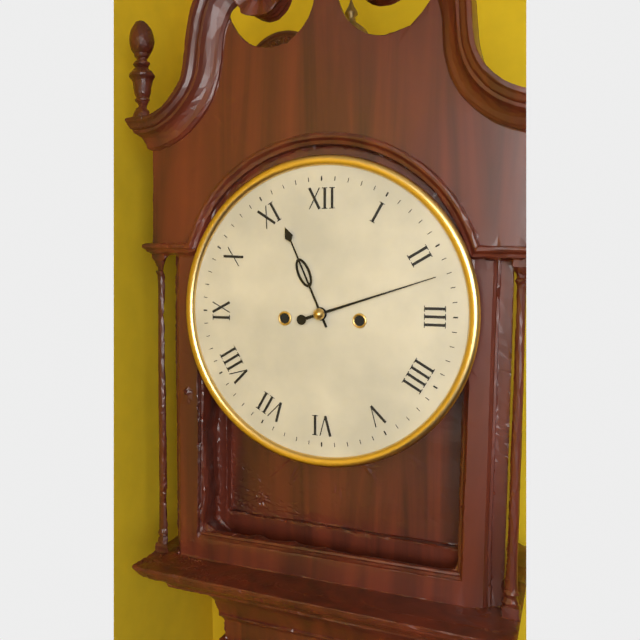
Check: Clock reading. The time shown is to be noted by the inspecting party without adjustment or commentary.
11:12
